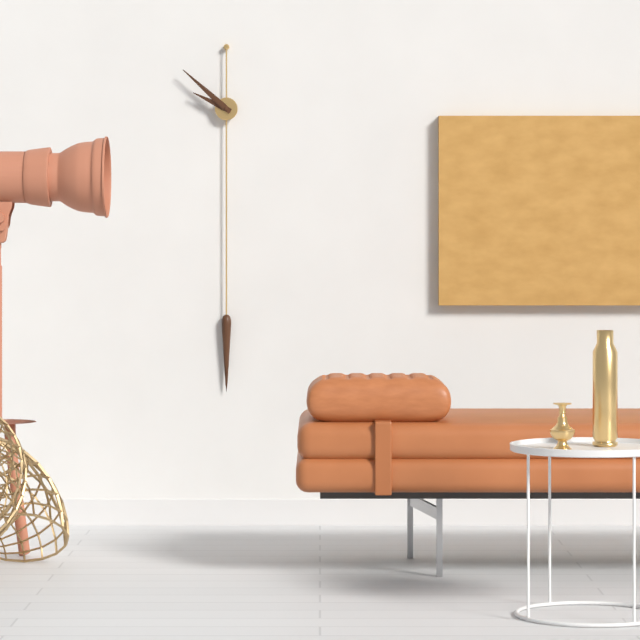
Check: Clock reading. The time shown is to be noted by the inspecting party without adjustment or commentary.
9:52
